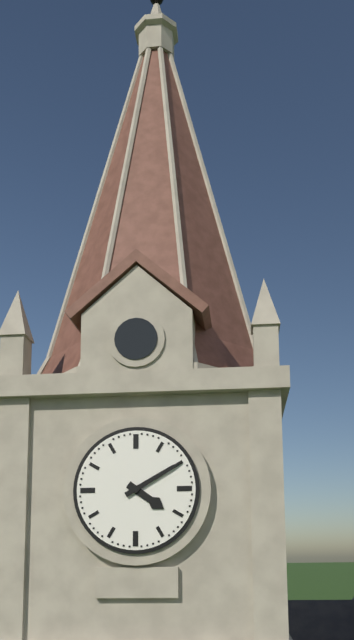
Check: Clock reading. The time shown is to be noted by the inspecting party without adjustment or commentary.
4:10
